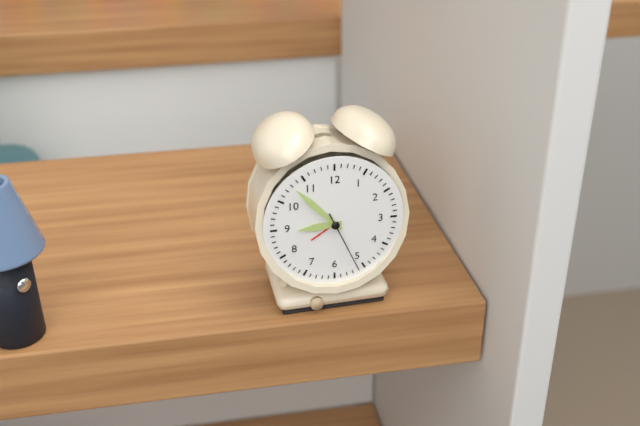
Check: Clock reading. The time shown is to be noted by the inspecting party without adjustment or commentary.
8:53:26
